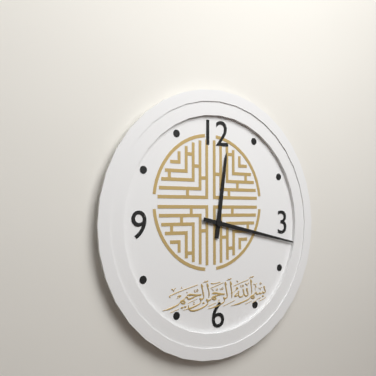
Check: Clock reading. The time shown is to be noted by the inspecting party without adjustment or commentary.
12:17
